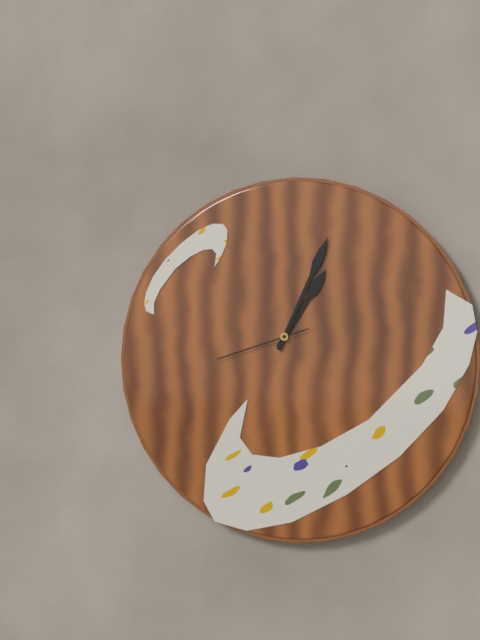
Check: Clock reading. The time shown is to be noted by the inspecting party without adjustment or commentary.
1:04:42
